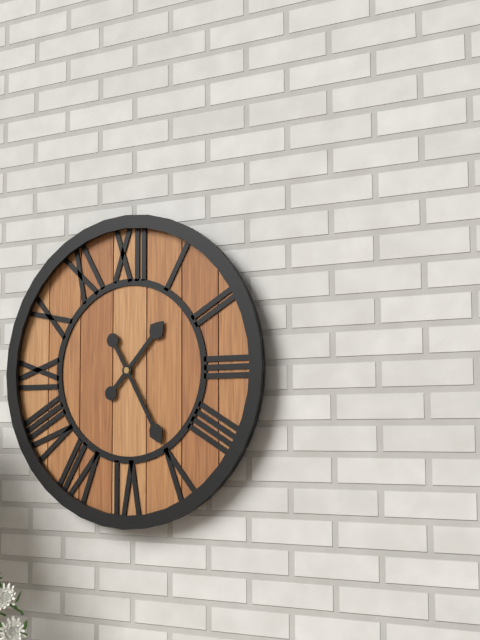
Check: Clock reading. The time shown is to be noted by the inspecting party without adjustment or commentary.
1:25
